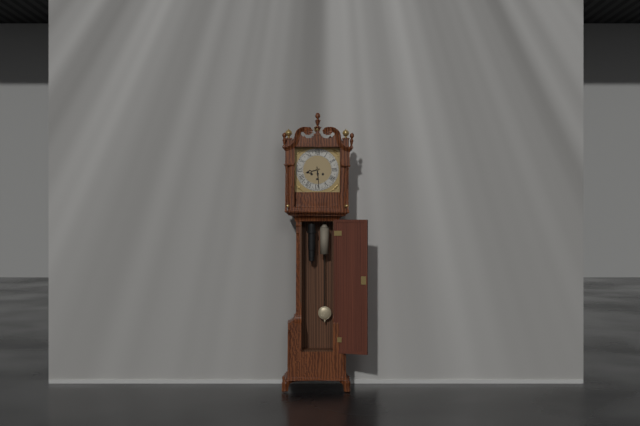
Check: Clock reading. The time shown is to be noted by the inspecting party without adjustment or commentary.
8:29
